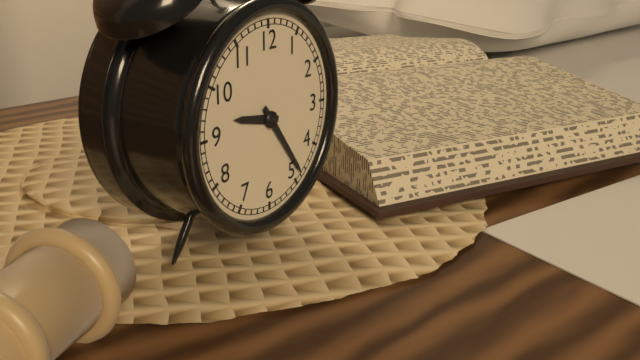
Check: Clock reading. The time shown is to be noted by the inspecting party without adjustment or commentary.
9:24
